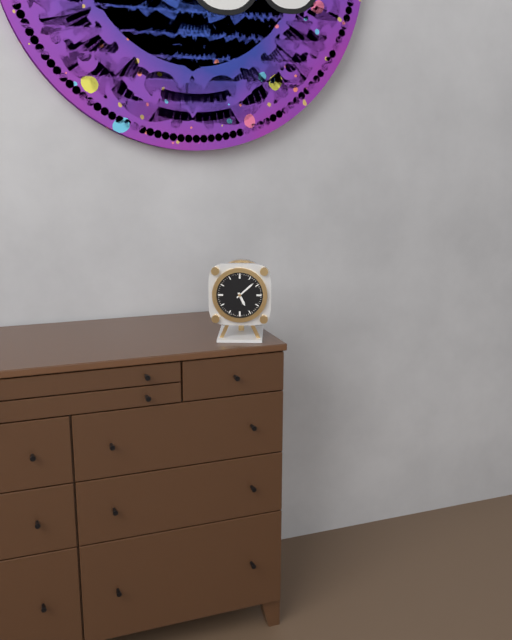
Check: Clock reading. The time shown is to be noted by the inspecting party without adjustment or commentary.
5:08
